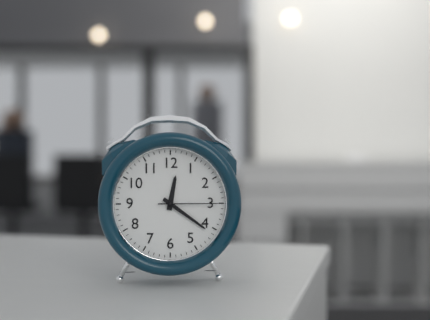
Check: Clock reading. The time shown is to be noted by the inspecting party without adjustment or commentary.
12:21:15
